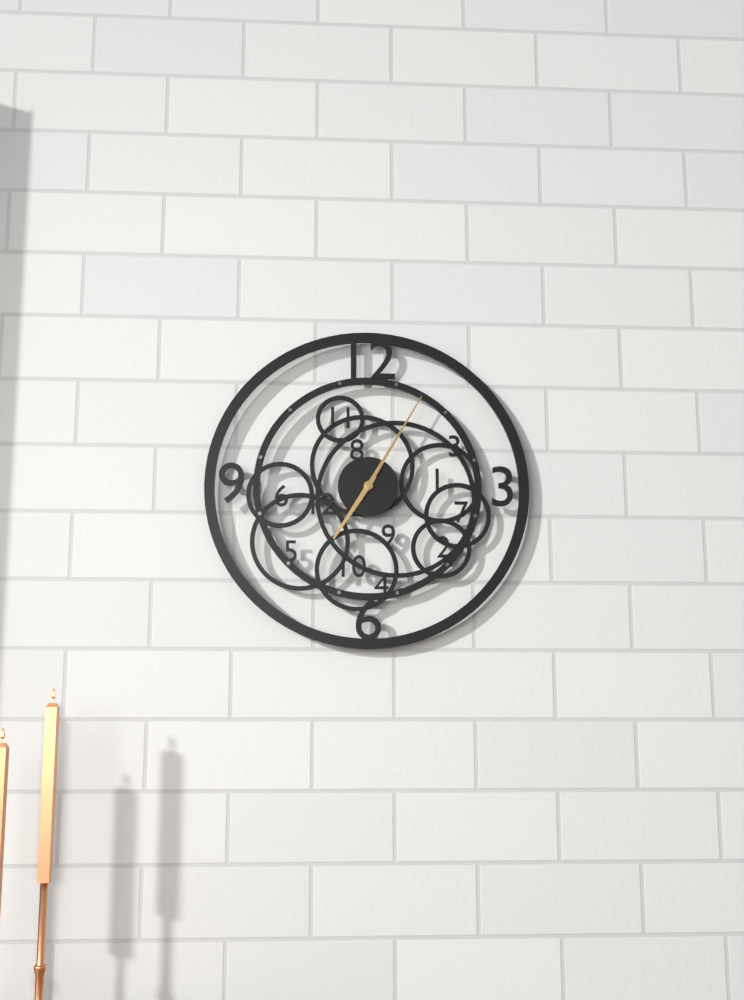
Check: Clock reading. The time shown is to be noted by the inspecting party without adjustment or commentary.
7:05
